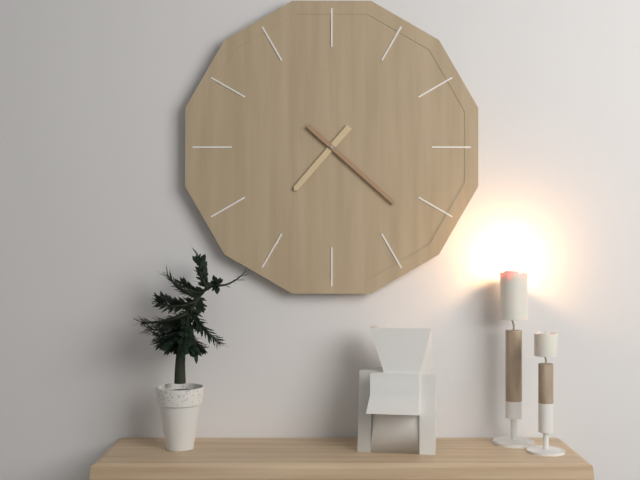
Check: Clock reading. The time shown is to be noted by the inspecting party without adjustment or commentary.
7:22
